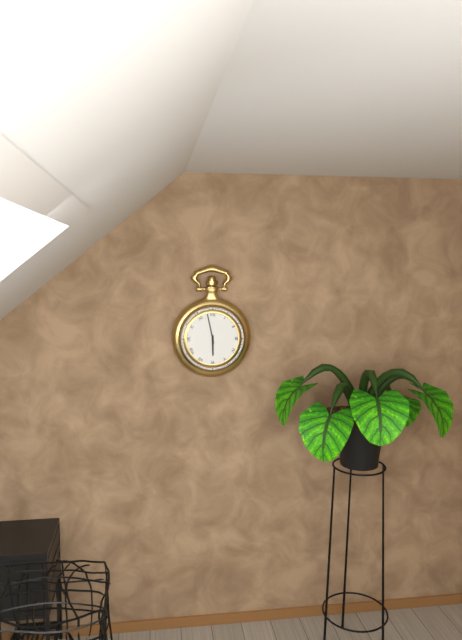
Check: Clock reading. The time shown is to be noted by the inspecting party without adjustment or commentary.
5:58
